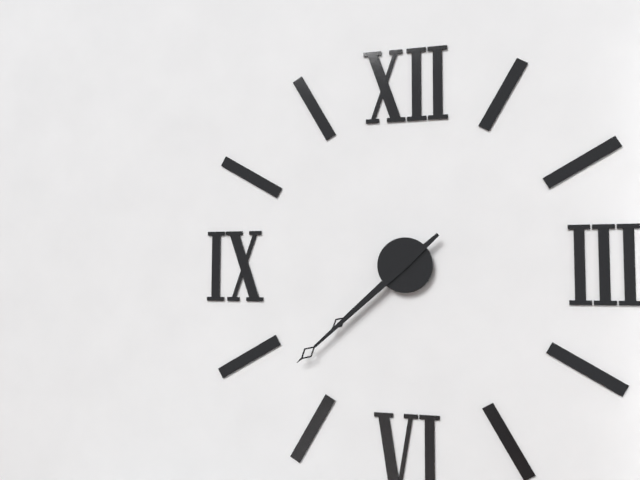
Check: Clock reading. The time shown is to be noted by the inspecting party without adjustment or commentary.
7:38
